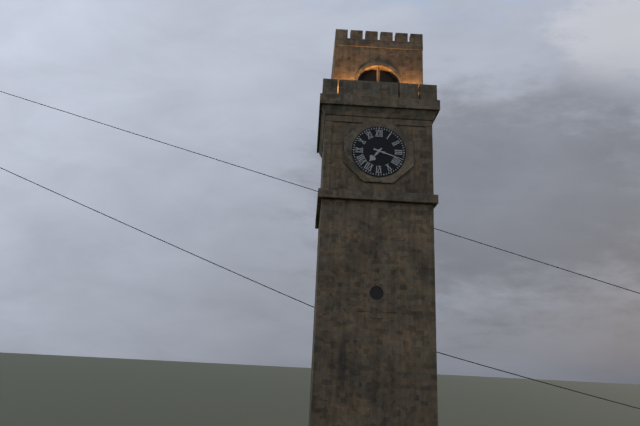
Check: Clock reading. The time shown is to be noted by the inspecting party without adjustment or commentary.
7:18
